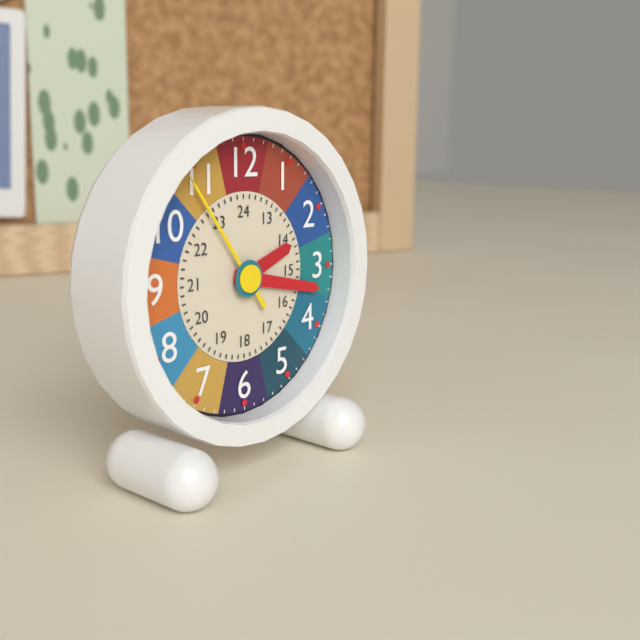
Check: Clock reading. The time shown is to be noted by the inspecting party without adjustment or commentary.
2:17:54
